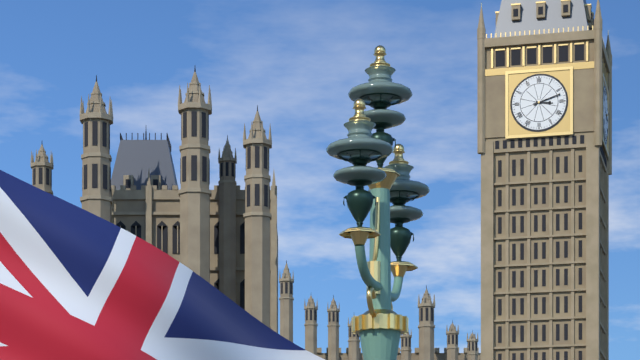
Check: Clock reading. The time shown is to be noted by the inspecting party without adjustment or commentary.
3:12
